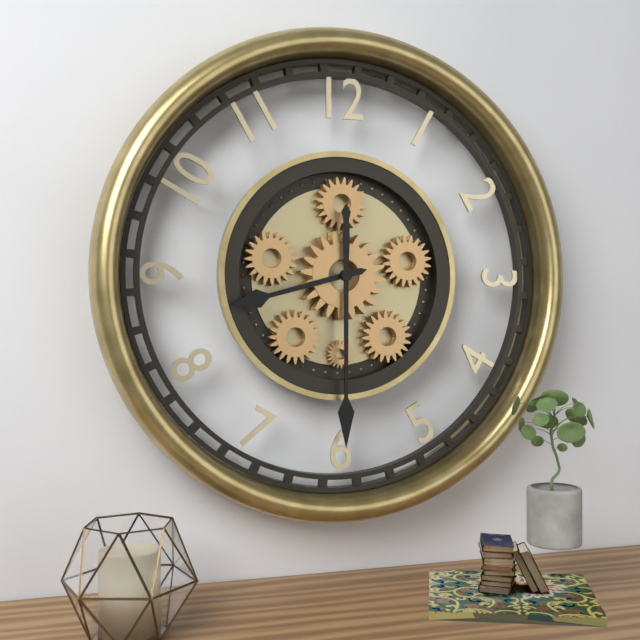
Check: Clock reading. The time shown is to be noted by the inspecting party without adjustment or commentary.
8:30
